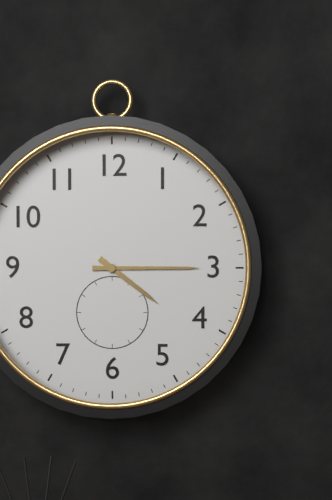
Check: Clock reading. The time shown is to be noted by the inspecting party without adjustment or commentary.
4:15
